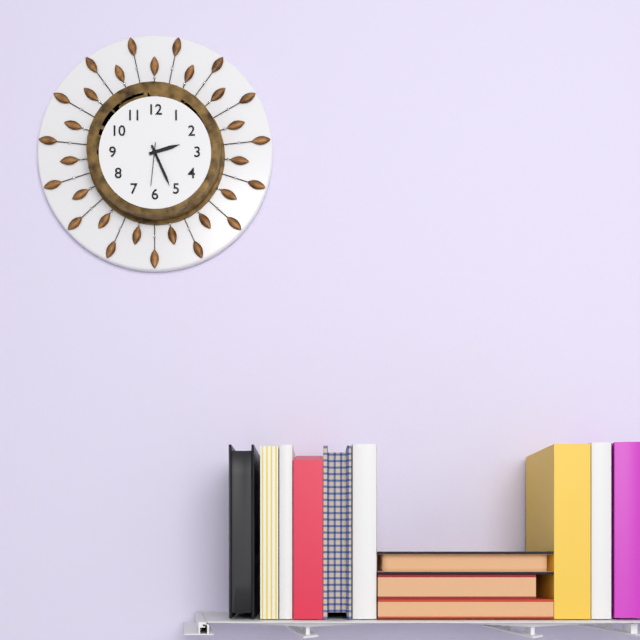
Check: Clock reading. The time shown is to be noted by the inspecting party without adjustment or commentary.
2:26
